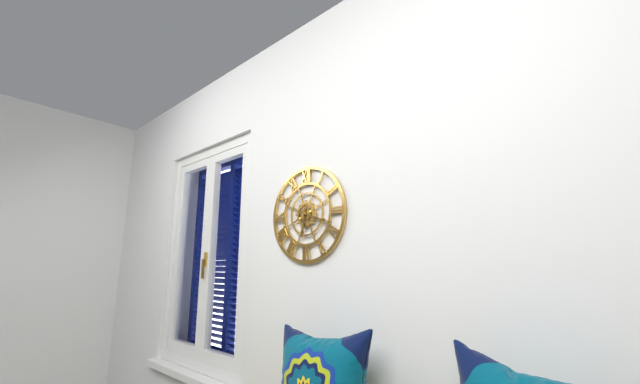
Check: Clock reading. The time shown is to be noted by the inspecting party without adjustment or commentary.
6:18
